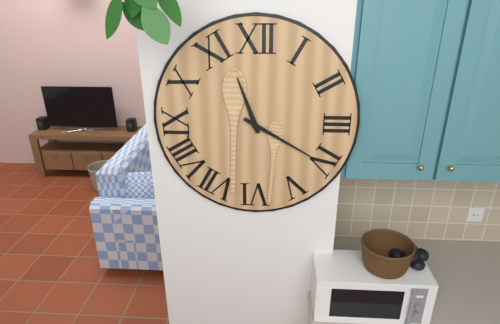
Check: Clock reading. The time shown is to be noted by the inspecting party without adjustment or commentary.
11:20
